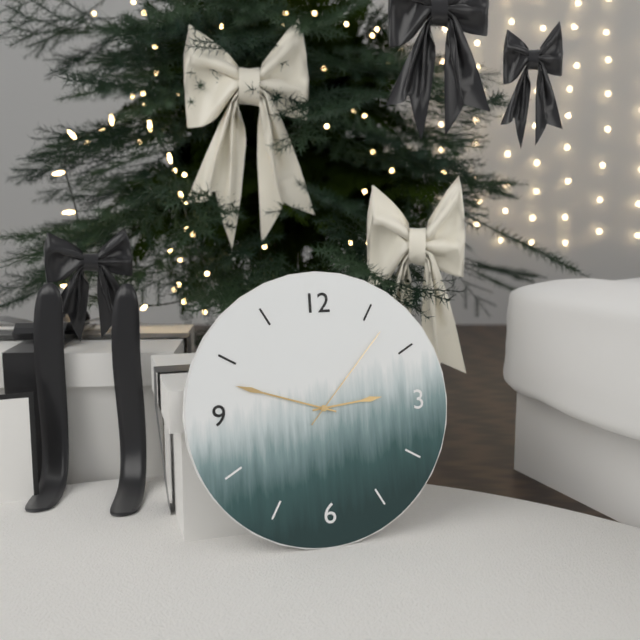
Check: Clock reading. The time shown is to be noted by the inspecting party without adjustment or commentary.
2:48:07
